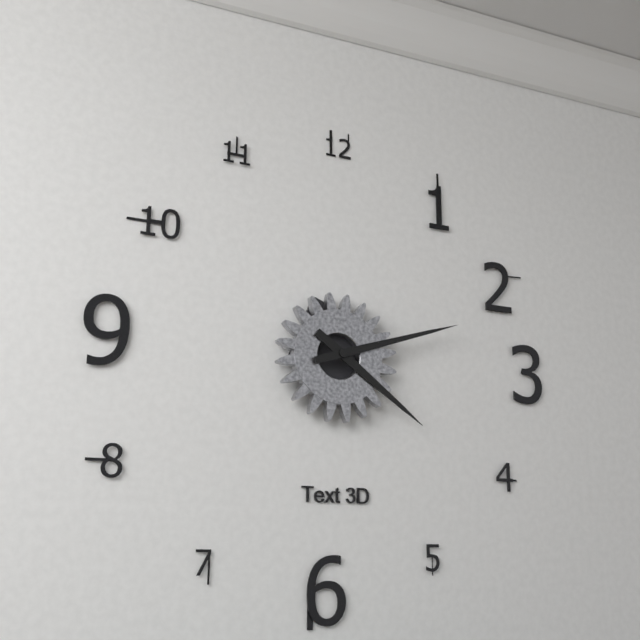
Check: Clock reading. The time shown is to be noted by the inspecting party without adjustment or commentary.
4:12
